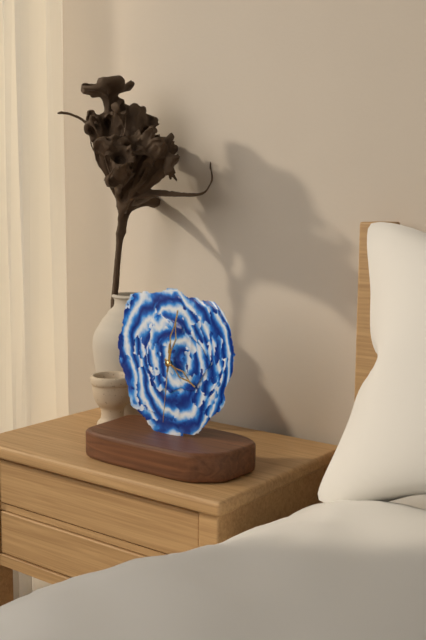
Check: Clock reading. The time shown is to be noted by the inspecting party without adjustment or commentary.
4:02:31
